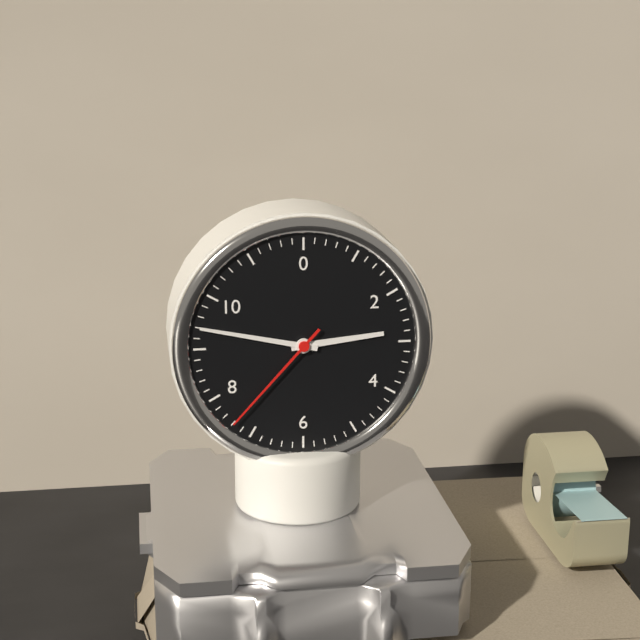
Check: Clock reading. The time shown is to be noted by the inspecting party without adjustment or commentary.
2:47:37
